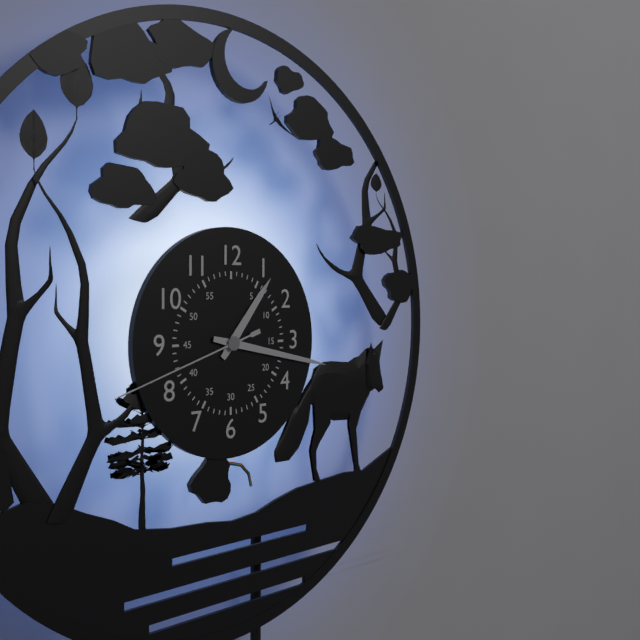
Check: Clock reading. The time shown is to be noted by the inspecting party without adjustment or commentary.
1:17:42
